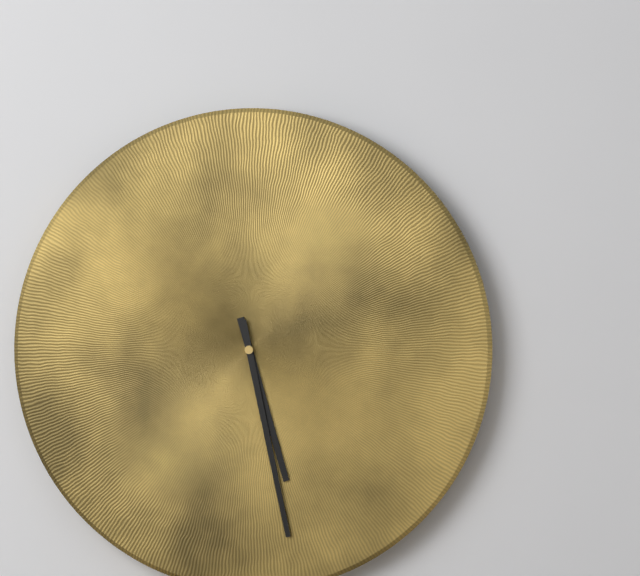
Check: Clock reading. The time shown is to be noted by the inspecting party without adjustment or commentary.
5:28
